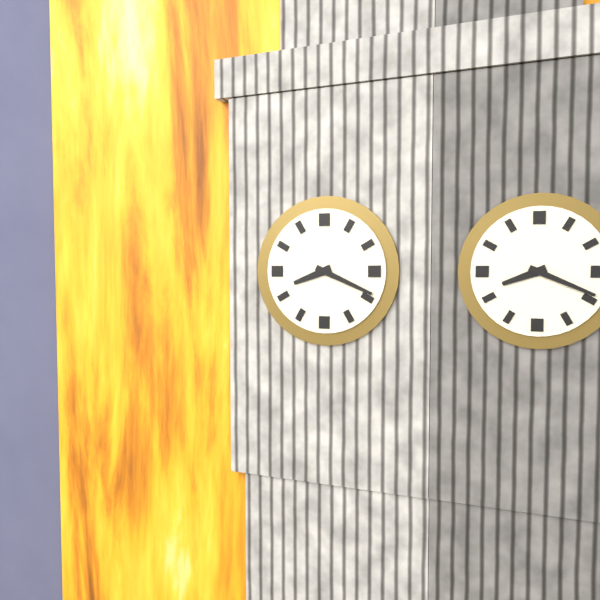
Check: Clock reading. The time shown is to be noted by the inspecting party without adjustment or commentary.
8:19
